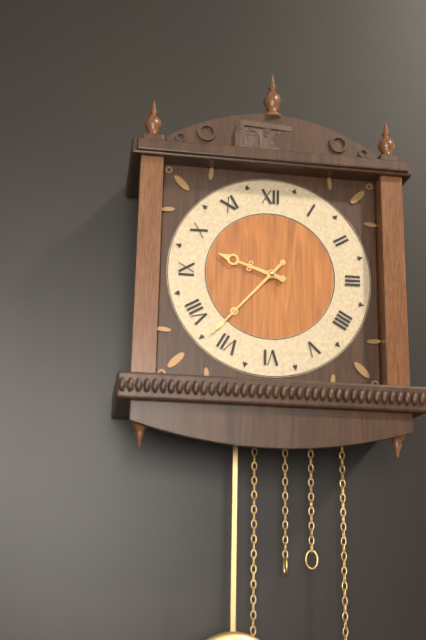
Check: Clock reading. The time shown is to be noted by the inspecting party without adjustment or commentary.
9:37
